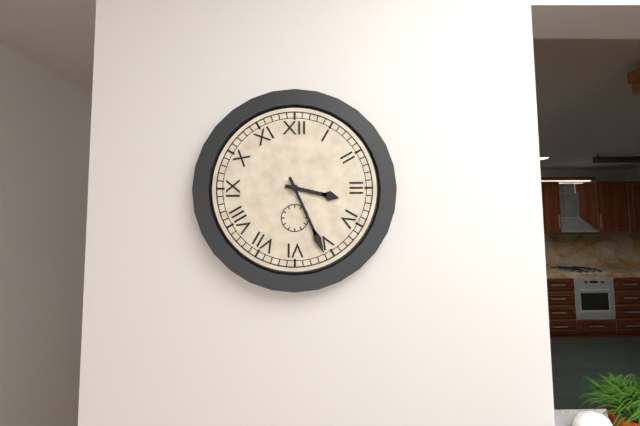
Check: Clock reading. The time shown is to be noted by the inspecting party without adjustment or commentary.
3:26
